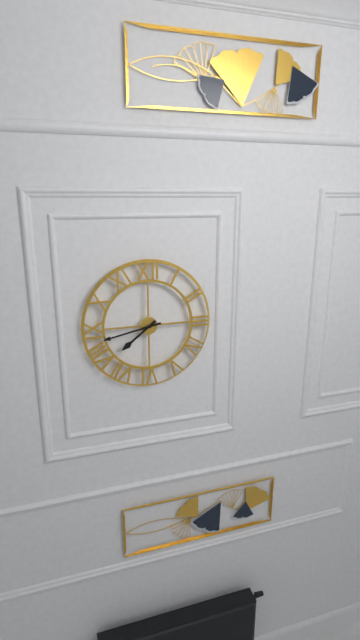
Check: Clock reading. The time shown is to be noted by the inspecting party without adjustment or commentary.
7:43
